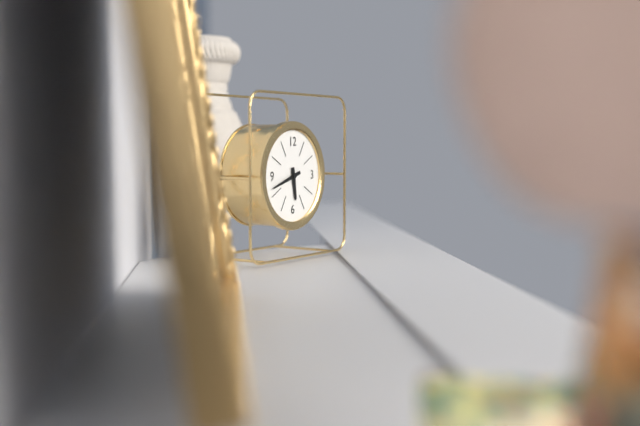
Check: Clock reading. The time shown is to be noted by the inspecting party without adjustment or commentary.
5:42
